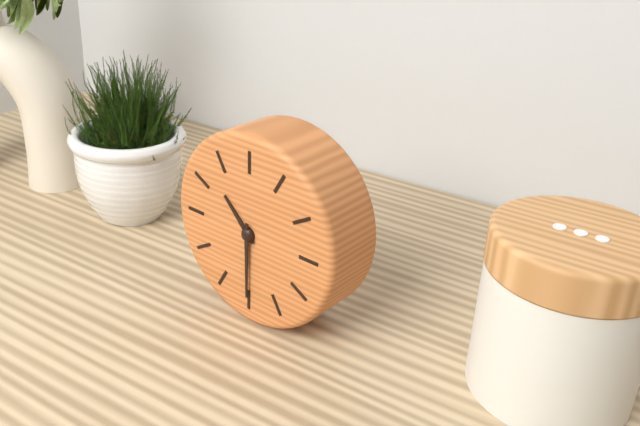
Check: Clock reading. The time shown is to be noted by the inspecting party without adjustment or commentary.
10:30
